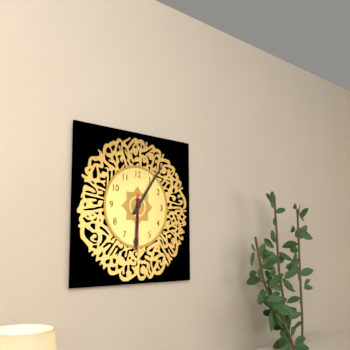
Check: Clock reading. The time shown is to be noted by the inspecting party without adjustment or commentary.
6:06:30
